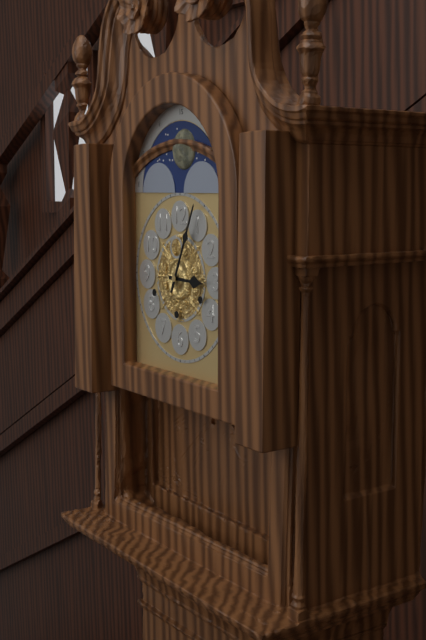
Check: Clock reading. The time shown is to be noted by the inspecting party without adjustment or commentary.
3:04
